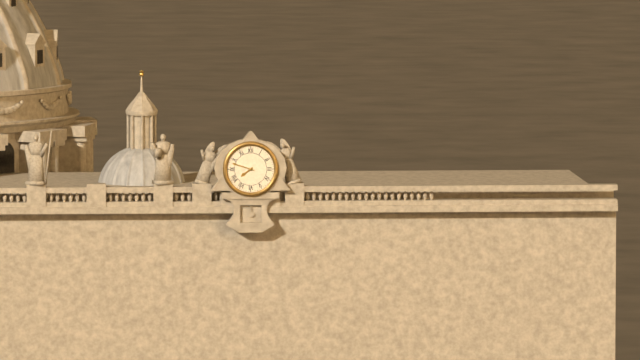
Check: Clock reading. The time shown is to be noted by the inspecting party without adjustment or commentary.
7:48
